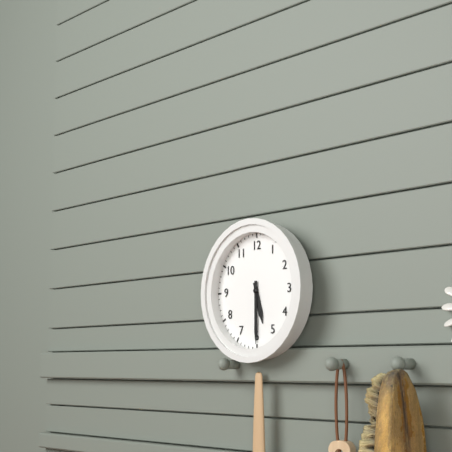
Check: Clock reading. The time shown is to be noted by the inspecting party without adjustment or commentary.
5:30
